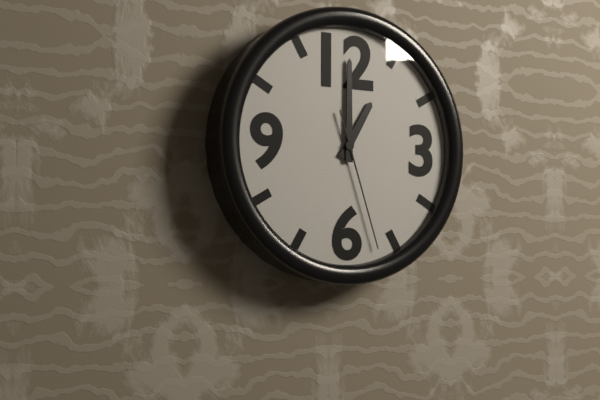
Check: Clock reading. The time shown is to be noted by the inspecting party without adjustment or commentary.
1:00:27
